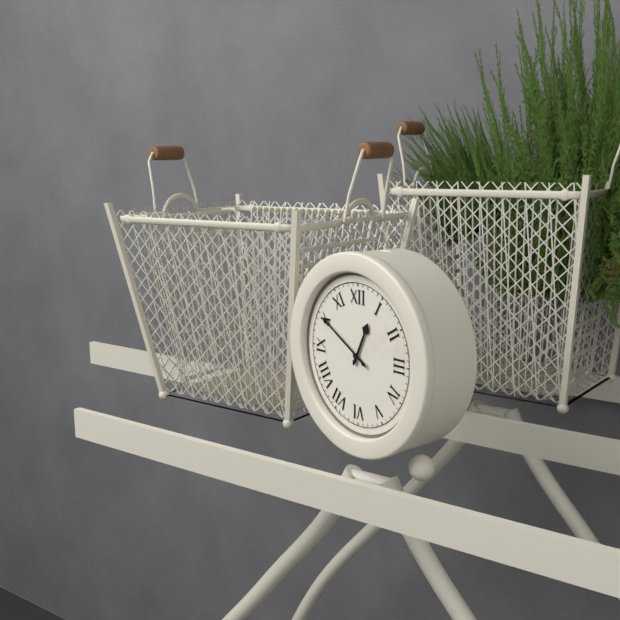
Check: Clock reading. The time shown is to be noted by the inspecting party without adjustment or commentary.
12:50
